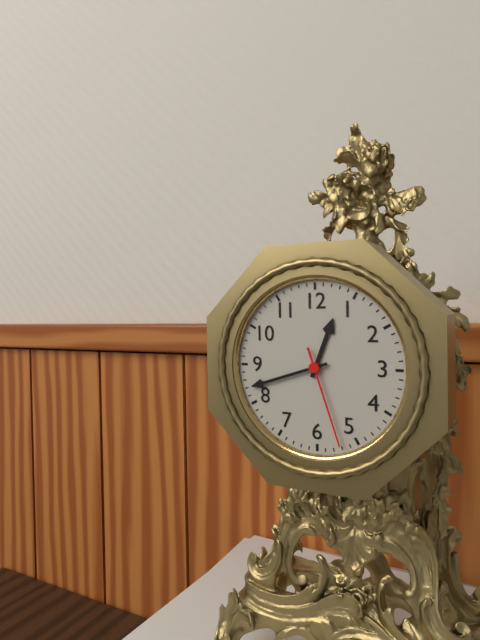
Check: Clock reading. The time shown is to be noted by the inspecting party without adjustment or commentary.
12:42:27
